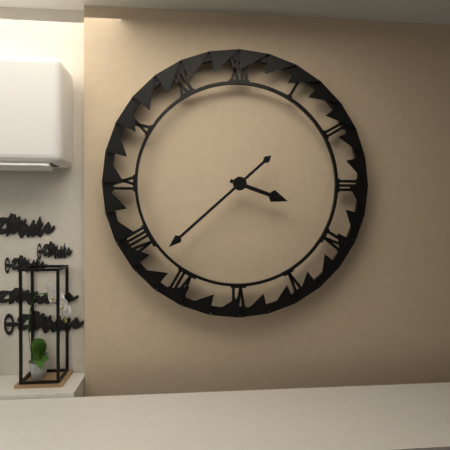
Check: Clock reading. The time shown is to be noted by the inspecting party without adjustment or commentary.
3:38
